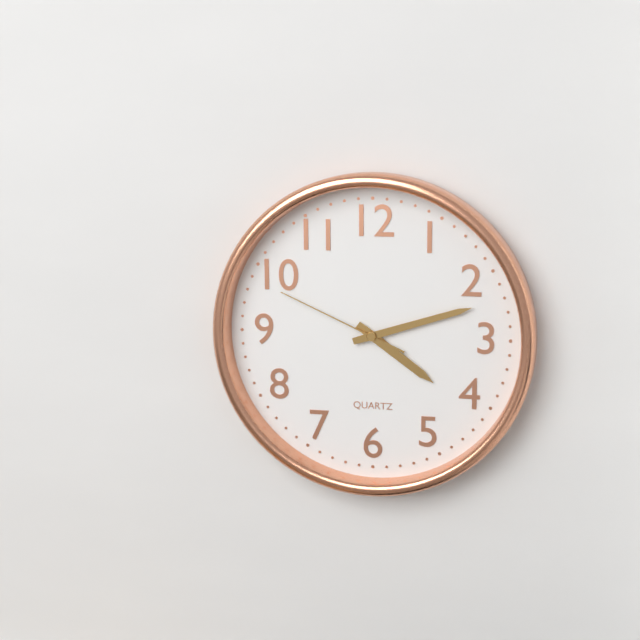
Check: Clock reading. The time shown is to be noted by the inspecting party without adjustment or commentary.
4:12:49
